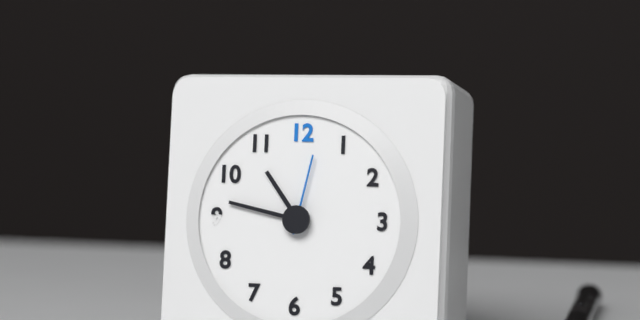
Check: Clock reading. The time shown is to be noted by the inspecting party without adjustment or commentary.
10:47:02
